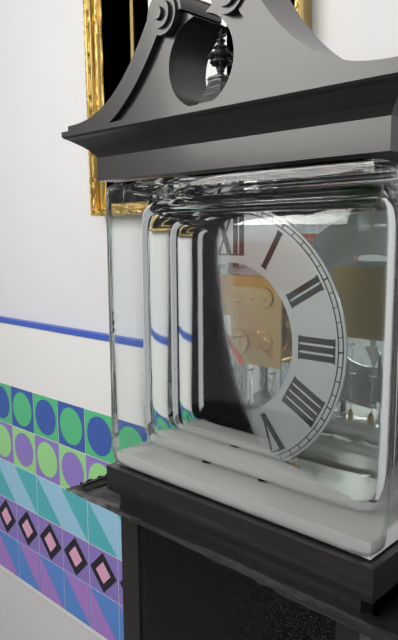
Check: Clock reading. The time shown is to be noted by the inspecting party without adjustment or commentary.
5:53
